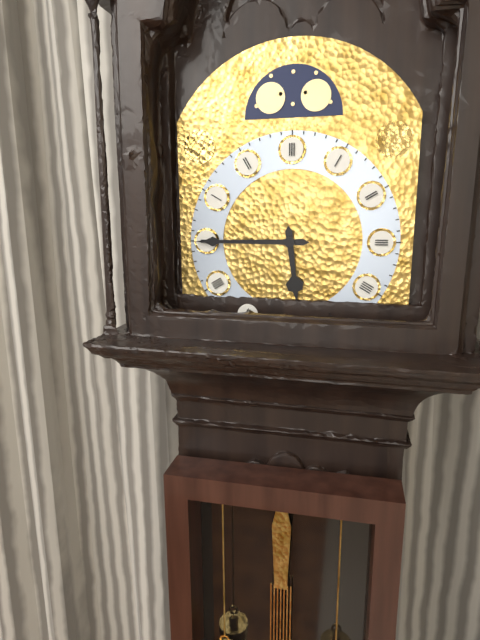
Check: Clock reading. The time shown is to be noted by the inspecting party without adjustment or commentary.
5:45
